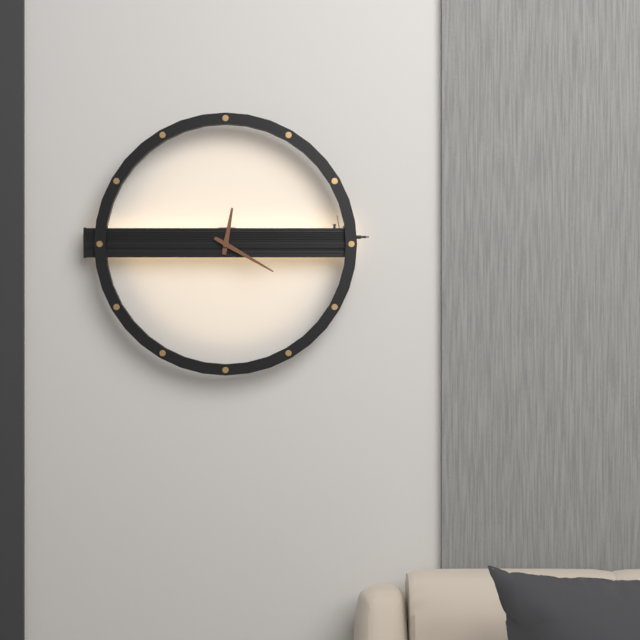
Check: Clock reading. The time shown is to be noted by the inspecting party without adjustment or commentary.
12:20
